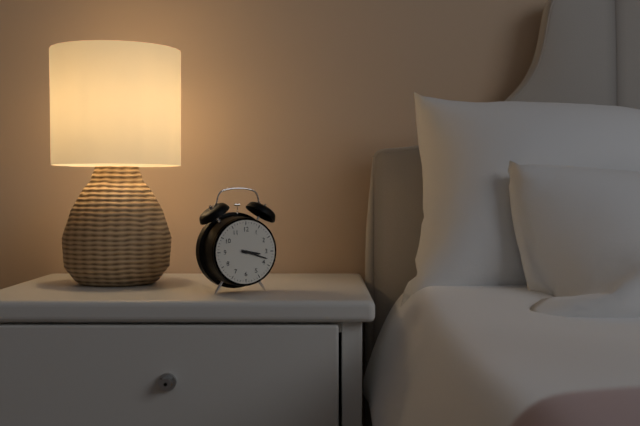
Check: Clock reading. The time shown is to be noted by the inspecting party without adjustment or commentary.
3:18
